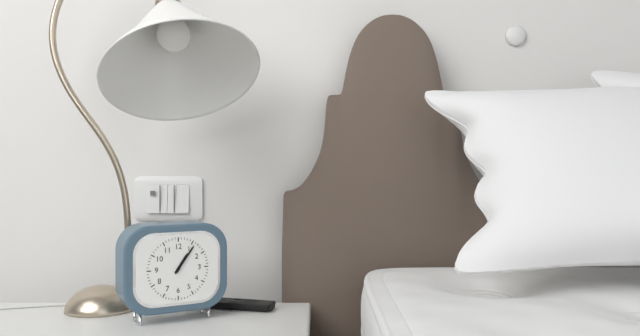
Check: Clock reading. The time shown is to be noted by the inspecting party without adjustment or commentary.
1:06
